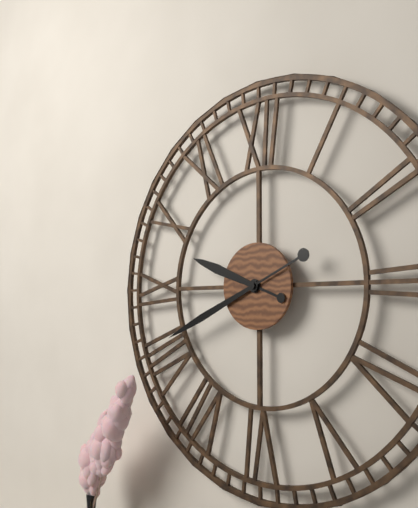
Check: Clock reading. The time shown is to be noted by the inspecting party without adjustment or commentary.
9:41
